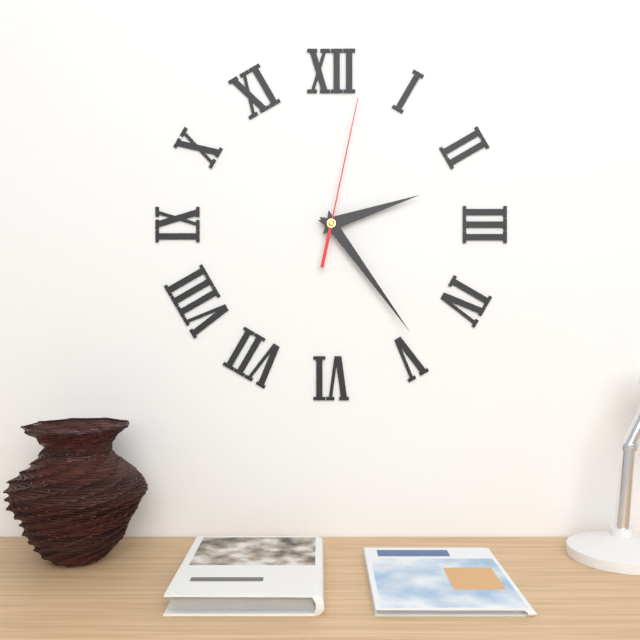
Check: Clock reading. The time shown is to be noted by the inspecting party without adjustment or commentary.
2:24:02
